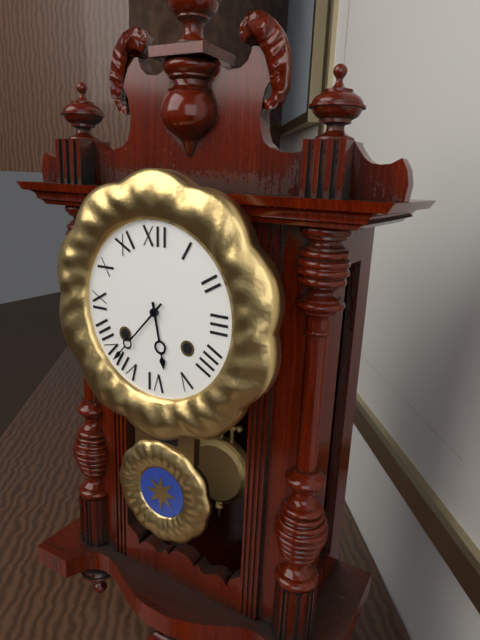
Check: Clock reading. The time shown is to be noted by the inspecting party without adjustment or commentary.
5:37
